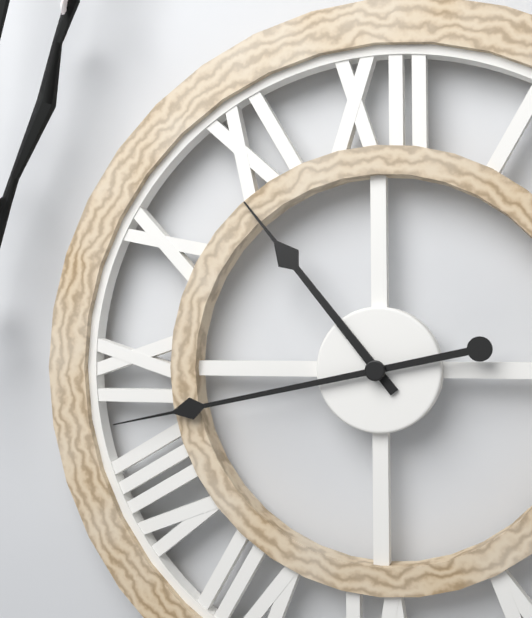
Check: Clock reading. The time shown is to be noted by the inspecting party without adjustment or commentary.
10:43
